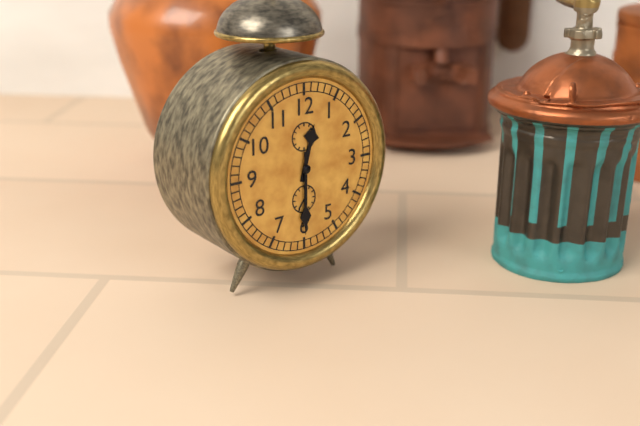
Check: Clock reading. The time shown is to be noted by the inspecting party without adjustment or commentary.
12:30
